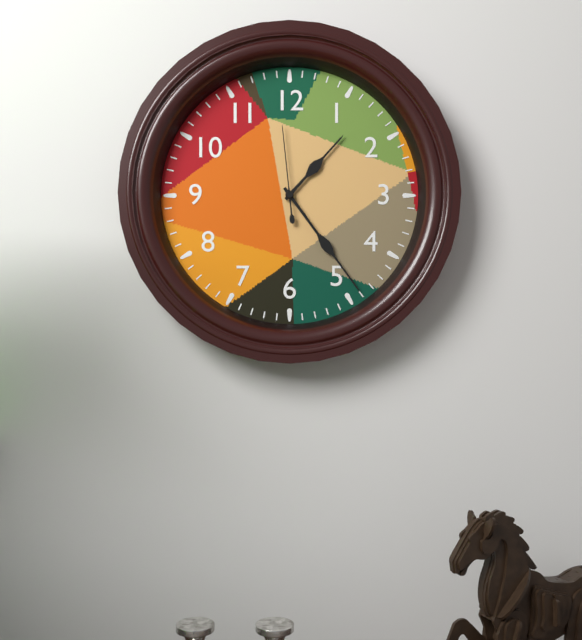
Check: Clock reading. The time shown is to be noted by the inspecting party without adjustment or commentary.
1:24:59
